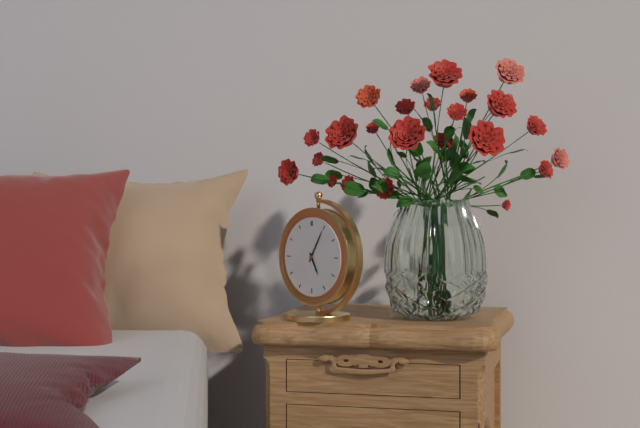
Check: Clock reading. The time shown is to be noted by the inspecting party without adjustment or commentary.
5:05
